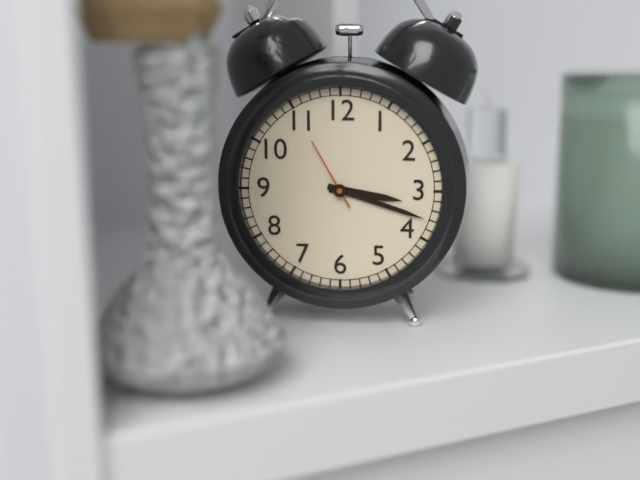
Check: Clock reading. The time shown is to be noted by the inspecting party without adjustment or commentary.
3:18:55
